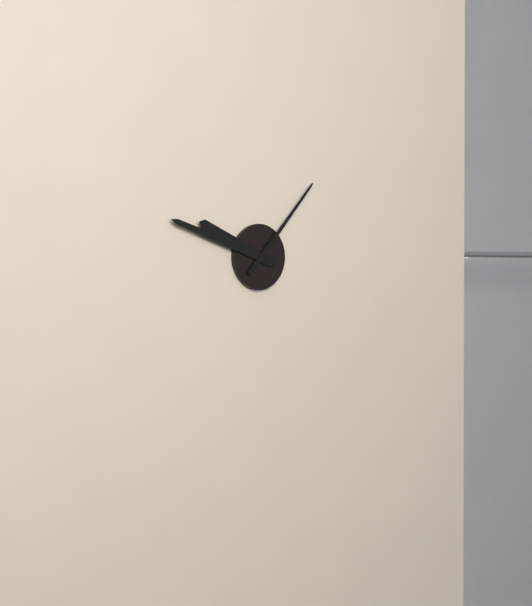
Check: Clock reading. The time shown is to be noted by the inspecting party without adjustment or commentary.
9:48:07
